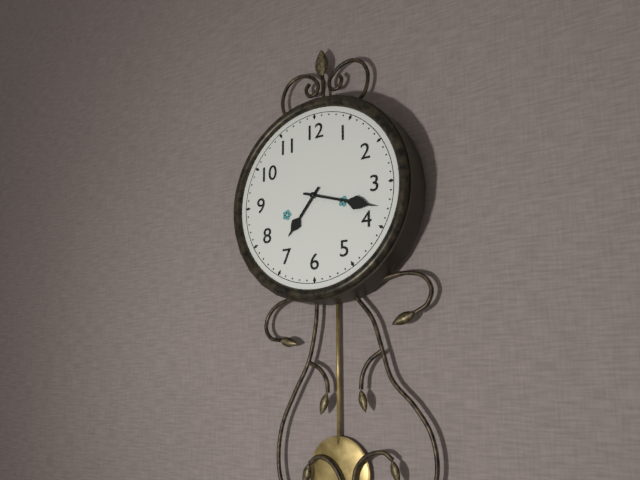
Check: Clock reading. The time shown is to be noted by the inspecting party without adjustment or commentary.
7:18
